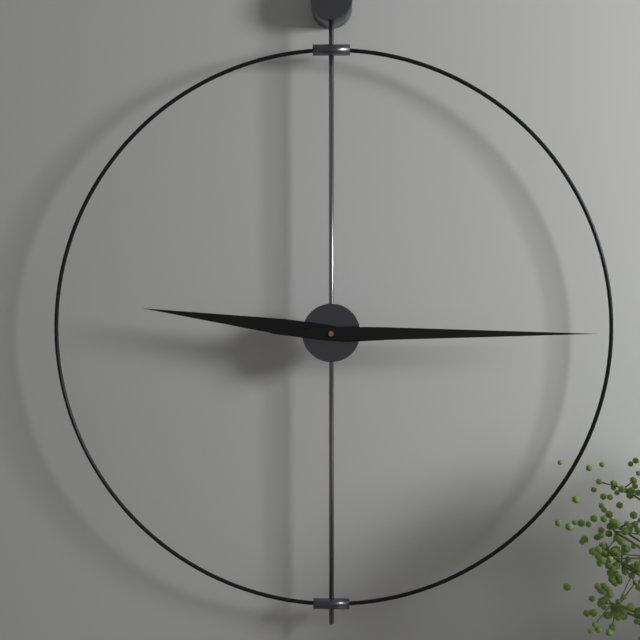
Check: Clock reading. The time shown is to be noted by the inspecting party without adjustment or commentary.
9:15
